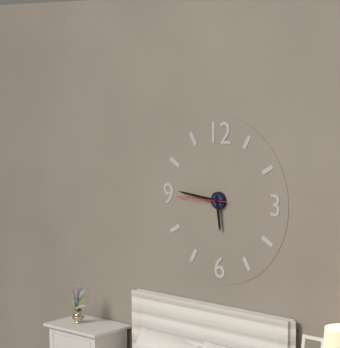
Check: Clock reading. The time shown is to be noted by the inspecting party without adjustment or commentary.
5:46:45
